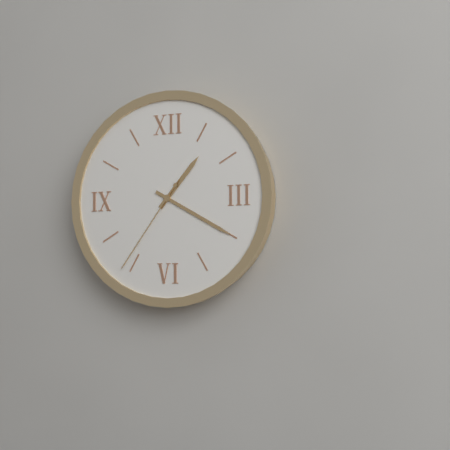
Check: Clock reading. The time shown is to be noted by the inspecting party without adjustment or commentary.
1:20:36
